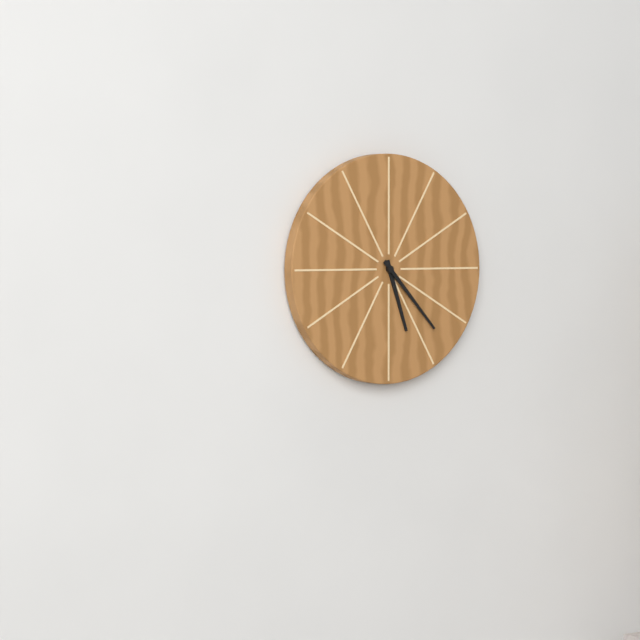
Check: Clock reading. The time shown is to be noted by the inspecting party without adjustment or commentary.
5:23
